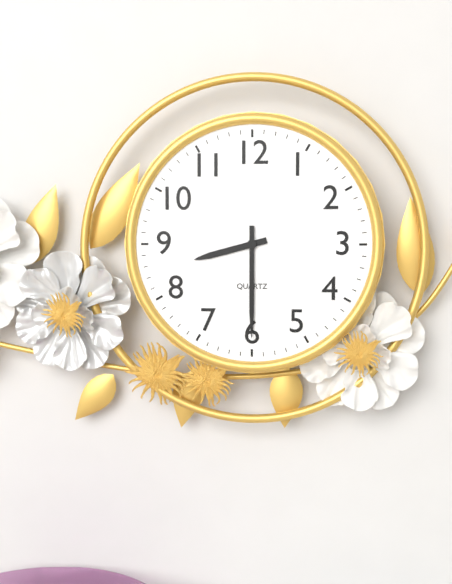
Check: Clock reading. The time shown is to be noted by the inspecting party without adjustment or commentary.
8:30
